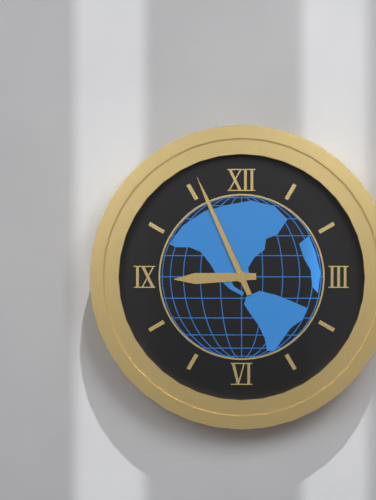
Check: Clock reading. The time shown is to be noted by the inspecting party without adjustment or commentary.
8:56
